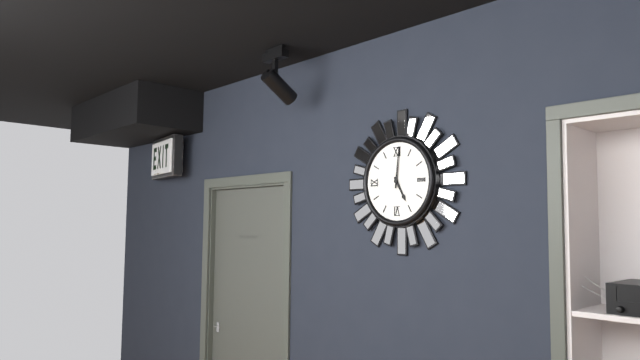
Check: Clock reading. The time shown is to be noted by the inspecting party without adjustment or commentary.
5:01
